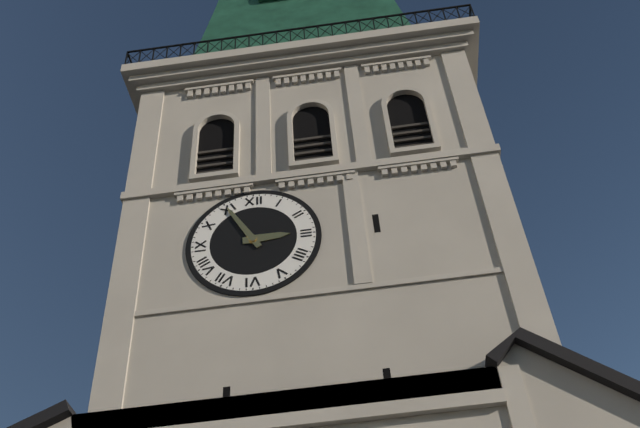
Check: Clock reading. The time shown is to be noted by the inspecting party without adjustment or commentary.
2:55
